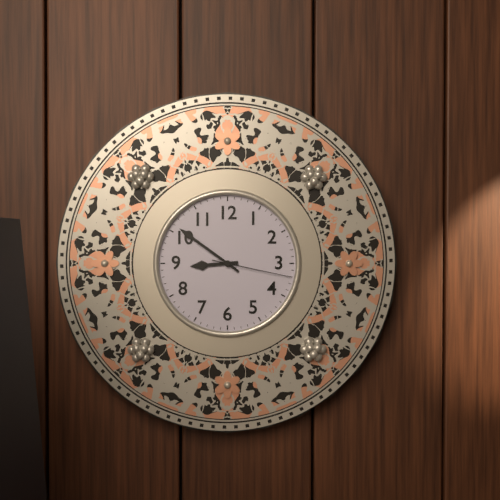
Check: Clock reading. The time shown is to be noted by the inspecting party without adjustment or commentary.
8:51:17
